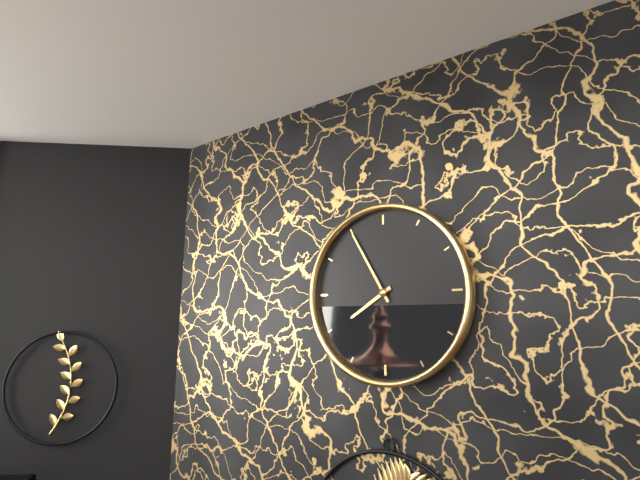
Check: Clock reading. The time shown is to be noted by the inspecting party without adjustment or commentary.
7:55
